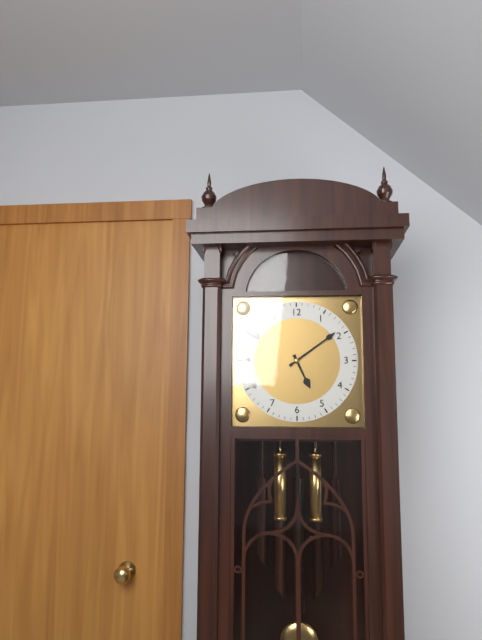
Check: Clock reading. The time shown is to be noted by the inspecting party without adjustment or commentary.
5:09
